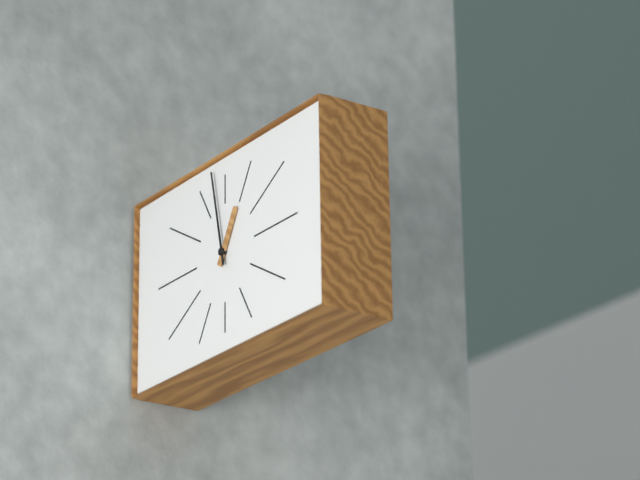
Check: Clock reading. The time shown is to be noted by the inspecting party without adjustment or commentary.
12:58
